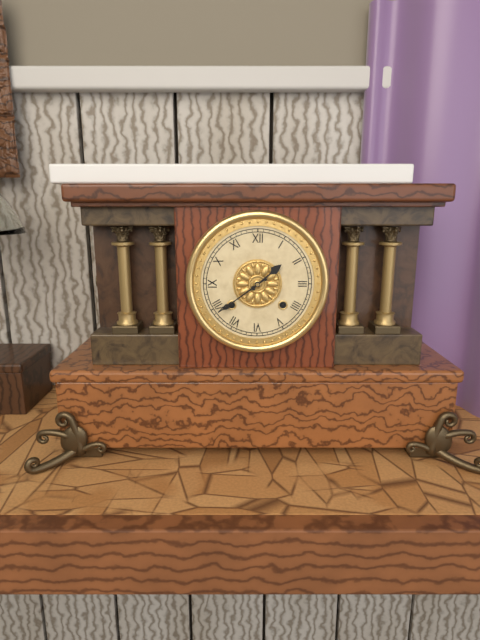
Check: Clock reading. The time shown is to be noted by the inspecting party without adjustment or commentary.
1:39
